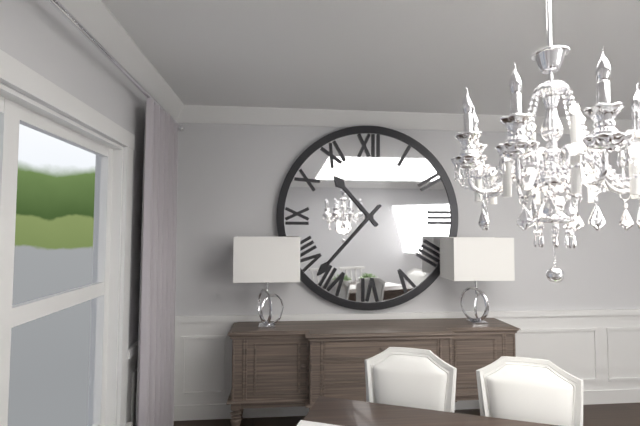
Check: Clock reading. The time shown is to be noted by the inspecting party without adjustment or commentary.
10:37
